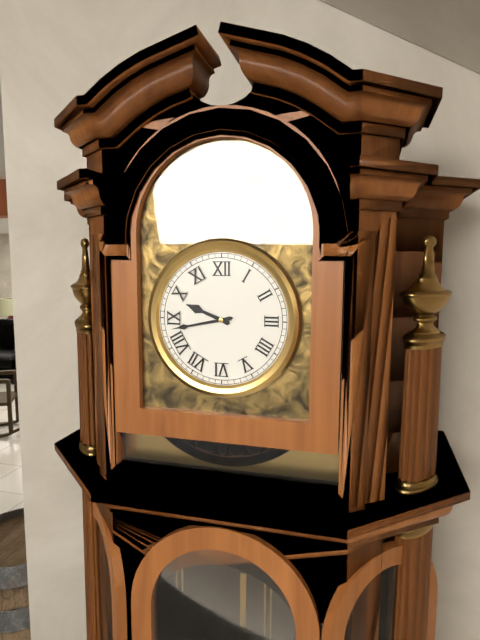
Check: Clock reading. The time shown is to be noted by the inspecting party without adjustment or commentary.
9:43
